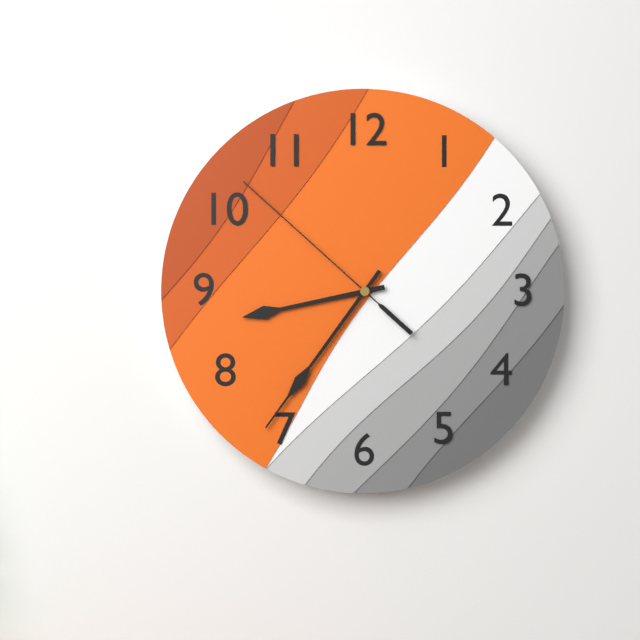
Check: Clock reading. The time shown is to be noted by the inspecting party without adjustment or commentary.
8:36:52
